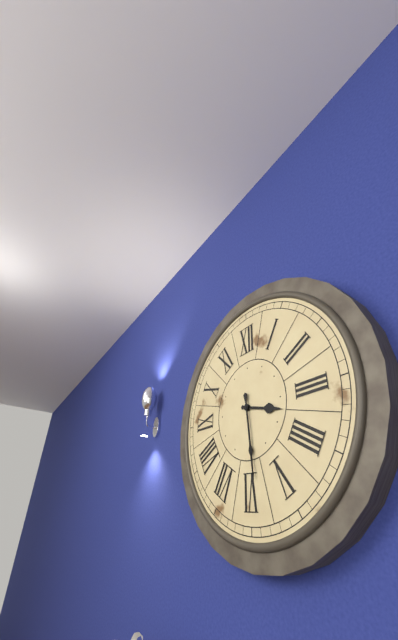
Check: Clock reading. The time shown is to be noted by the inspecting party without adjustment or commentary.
3:29
